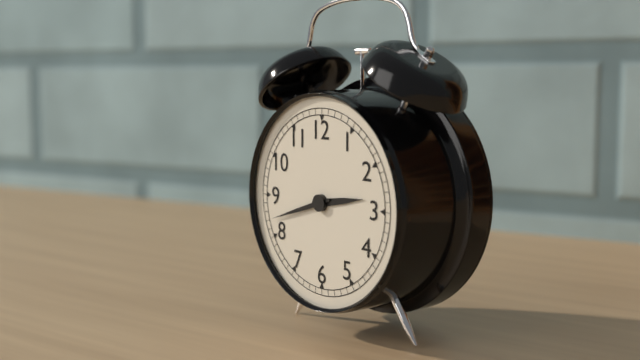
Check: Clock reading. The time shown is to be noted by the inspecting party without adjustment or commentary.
2:42
